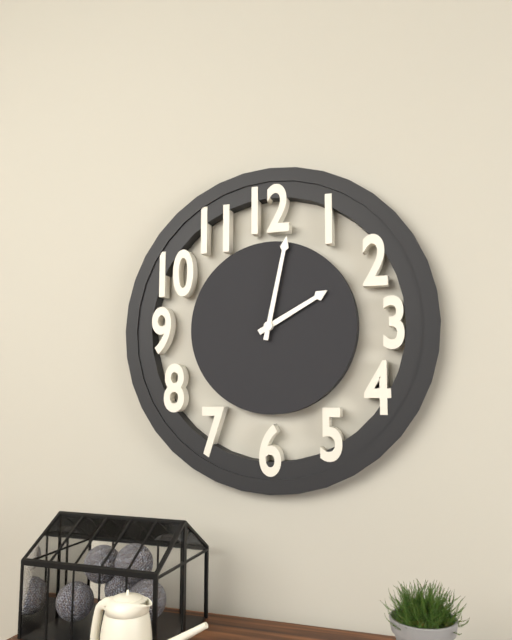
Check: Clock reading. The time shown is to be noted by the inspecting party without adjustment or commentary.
2:02
